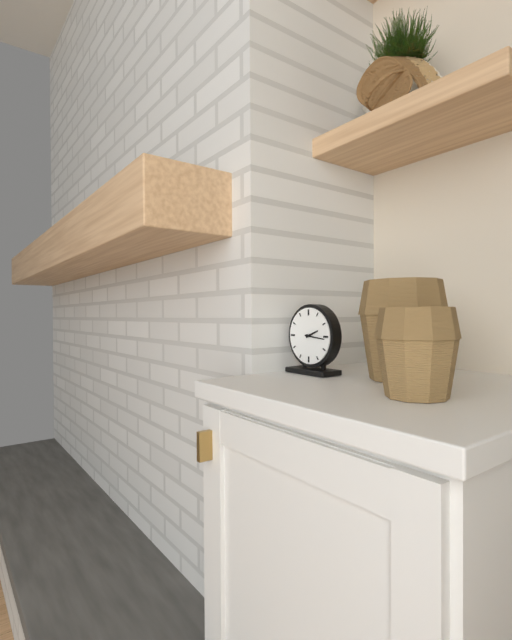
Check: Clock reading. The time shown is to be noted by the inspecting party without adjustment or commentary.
2:16
